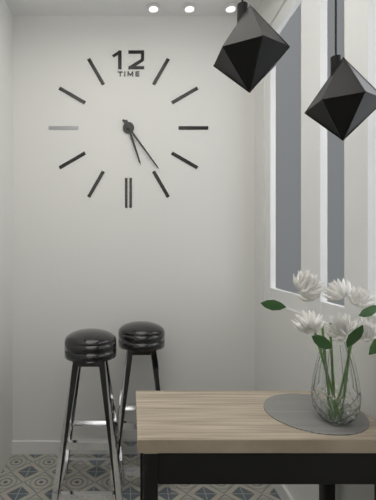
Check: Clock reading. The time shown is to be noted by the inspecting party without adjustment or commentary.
5:24
